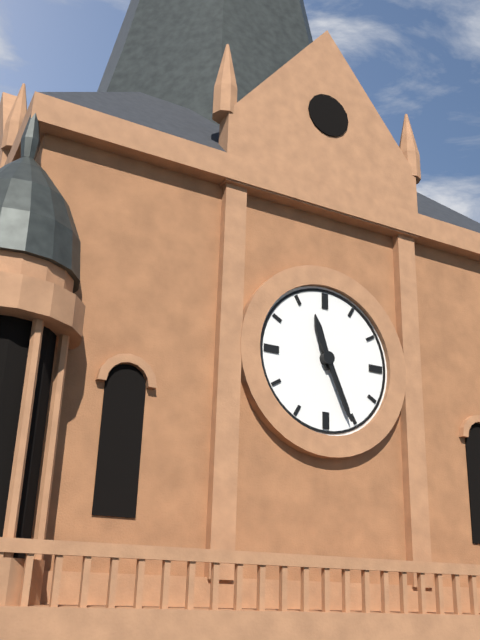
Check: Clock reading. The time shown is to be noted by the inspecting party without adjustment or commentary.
11:26
